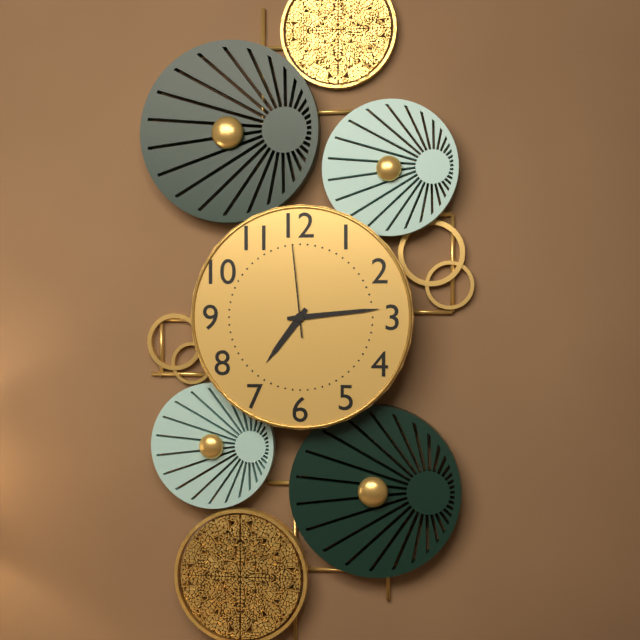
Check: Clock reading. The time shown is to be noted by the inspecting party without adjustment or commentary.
7:14:59
